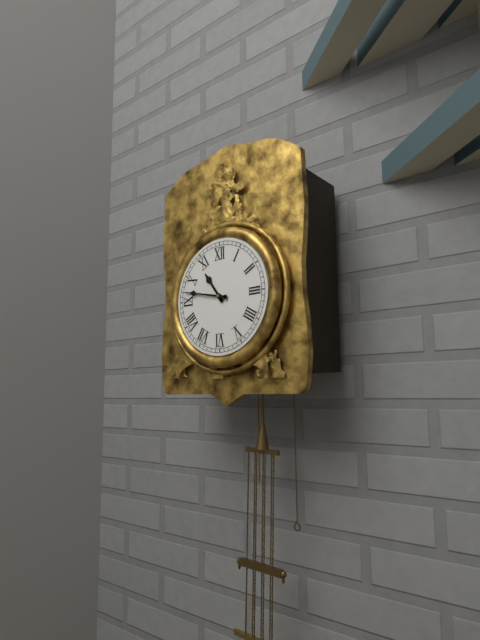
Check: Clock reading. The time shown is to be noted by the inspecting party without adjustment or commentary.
10:47
